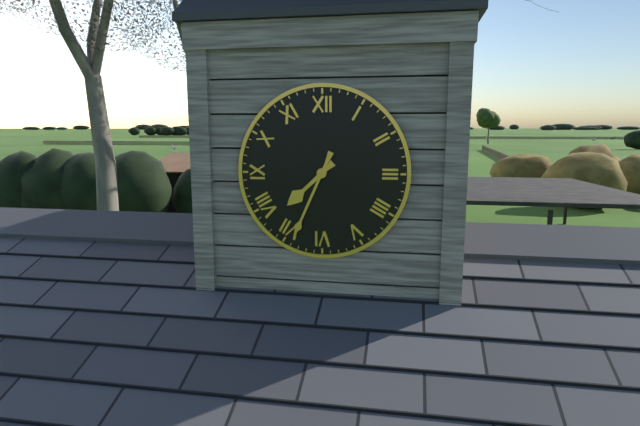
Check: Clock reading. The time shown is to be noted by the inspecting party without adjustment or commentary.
7:34
